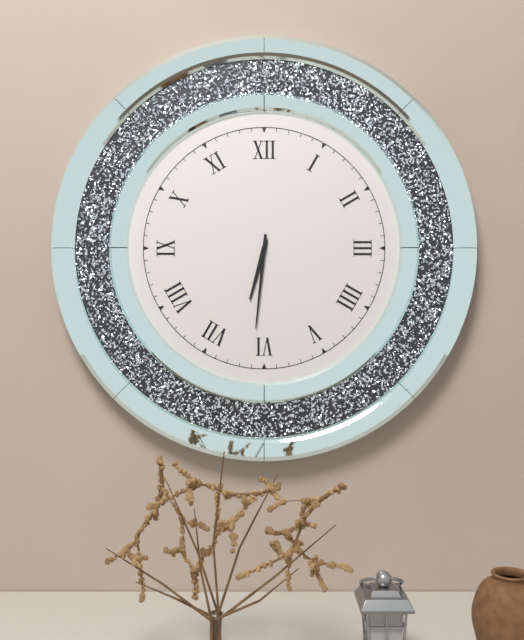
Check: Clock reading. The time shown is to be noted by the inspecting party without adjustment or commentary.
6:31
